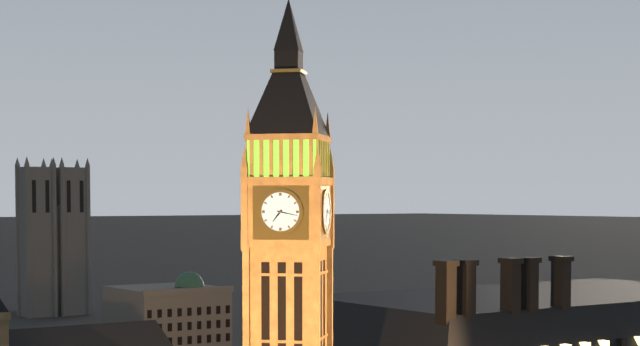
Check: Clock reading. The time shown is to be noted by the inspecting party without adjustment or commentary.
7:17
